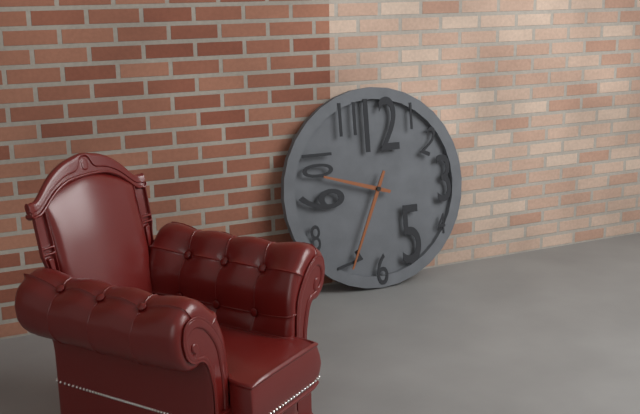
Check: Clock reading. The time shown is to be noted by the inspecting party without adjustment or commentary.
9:34
